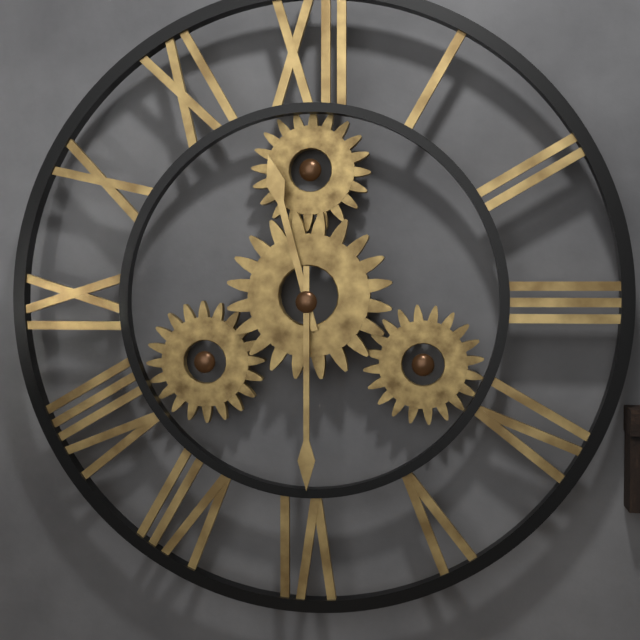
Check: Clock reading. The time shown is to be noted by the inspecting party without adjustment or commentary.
11:30
